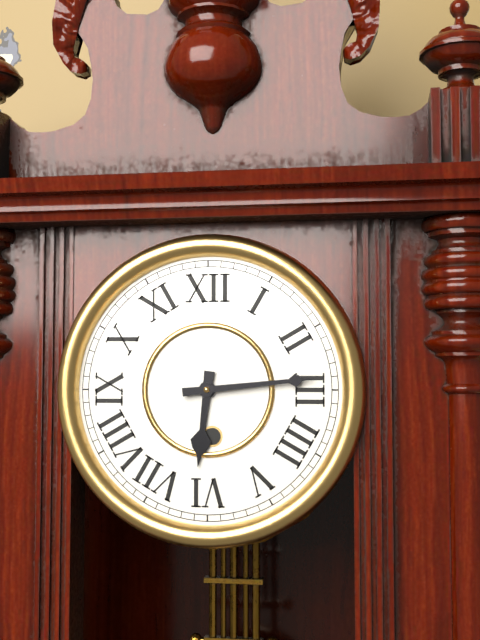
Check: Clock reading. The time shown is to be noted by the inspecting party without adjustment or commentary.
6:14
